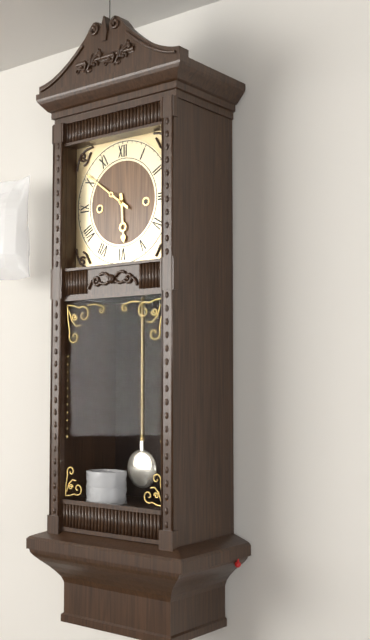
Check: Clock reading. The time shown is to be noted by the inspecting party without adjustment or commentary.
5:51
